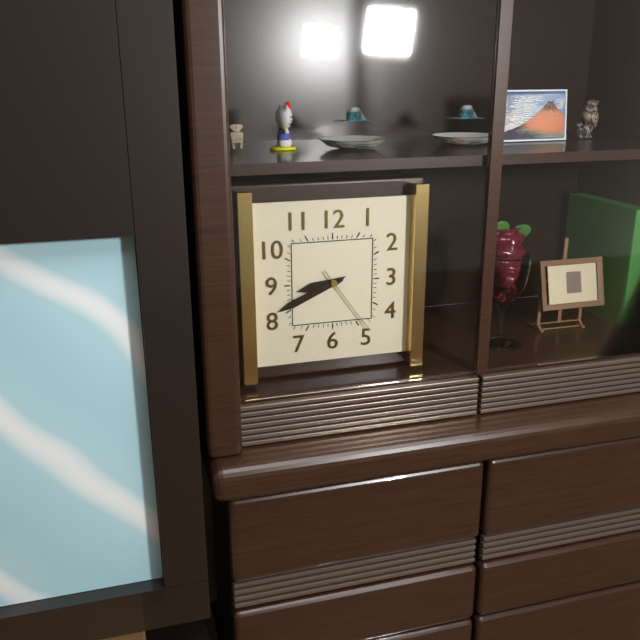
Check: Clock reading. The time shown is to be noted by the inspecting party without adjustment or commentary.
8:41:24
